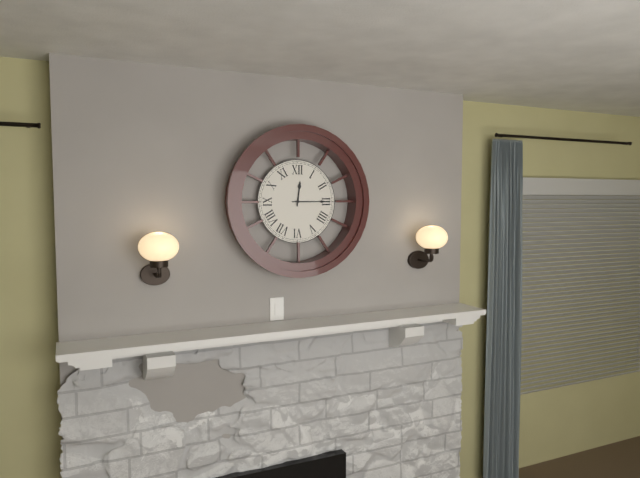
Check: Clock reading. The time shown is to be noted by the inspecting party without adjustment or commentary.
12:15
